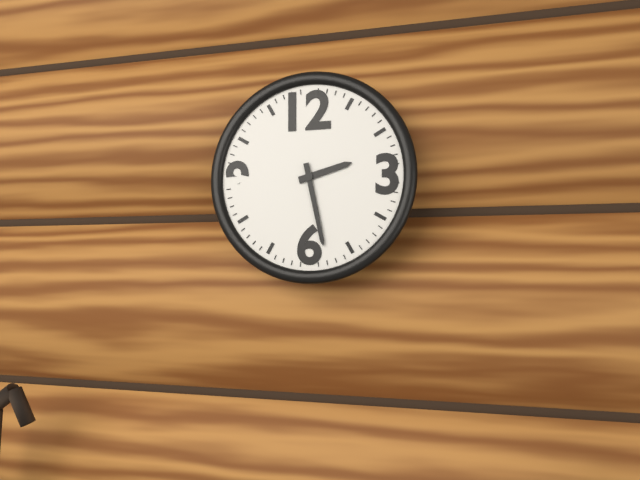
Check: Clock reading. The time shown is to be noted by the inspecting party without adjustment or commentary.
2:28
